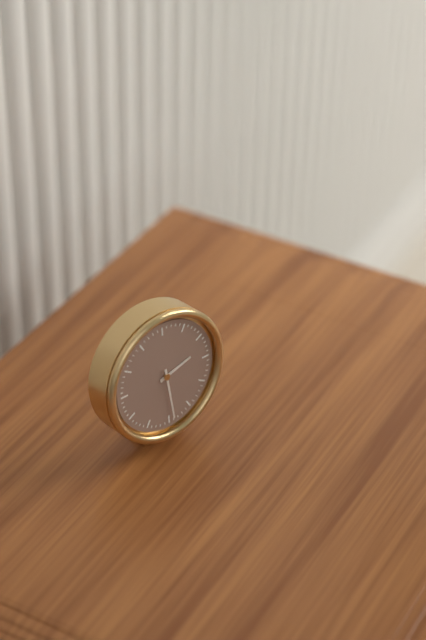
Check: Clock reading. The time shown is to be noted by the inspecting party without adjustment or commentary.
2:29
